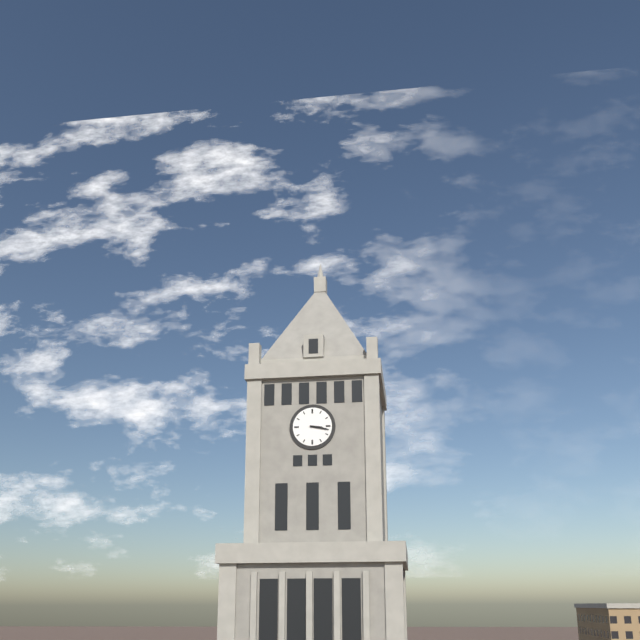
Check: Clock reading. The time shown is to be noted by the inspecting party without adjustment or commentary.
3:17
